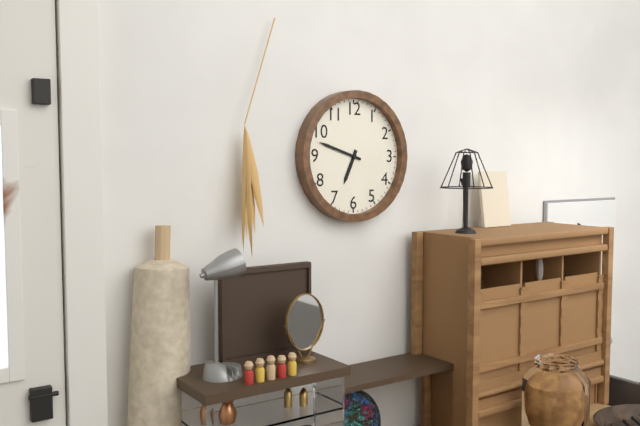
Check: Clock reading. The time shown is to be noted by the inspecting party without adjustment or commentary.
6:48
